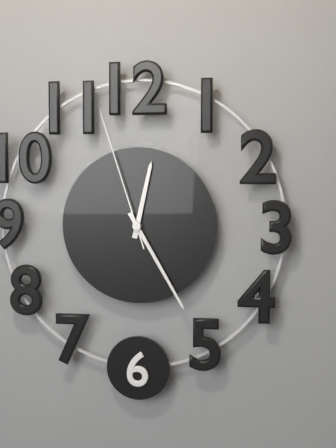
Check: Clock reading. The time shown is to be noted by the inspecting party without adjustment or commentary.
12:25:57
